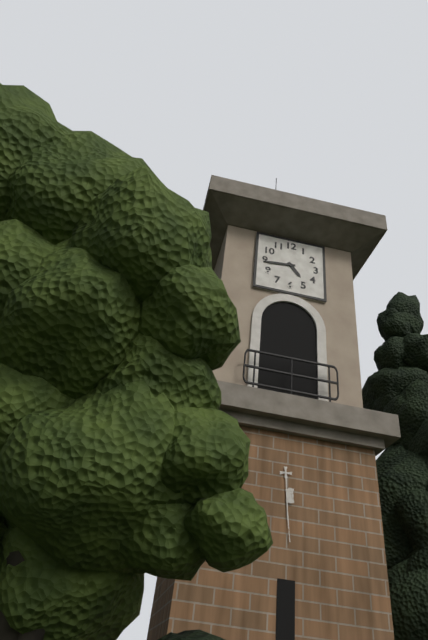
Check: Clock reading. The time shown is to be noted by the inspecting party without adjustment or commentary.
4:44
